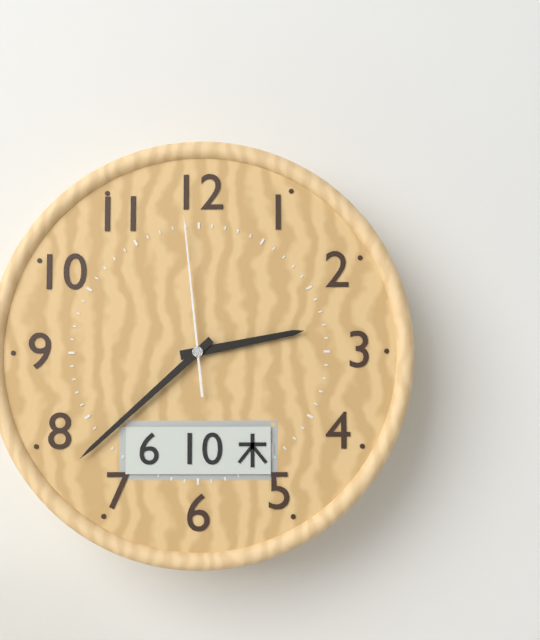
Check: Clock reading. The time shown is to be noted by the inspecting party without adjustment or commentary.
2:38:59
